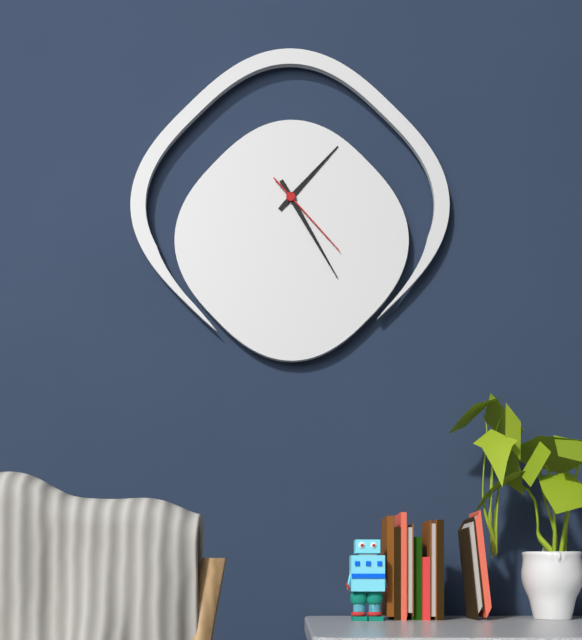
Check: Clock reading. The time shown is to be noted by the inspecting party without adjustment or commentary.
1:25:23
